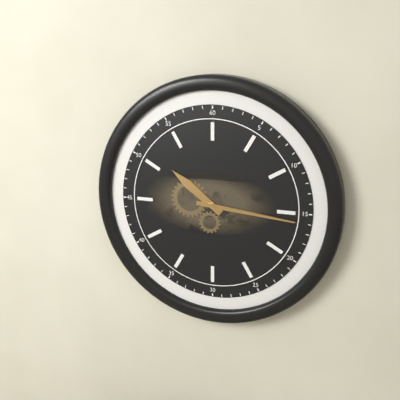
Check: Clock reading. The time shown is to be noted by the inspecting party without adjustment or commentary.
10:16
